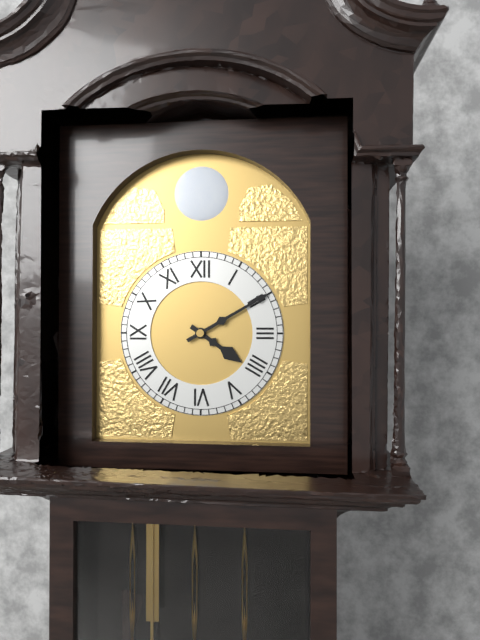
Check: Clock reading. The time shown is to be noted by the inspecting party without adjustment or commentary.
4:10
